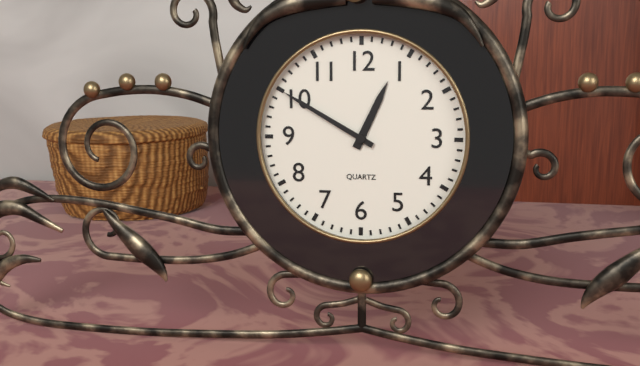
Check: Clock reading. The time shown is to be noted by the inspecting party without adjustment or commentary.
12:50
